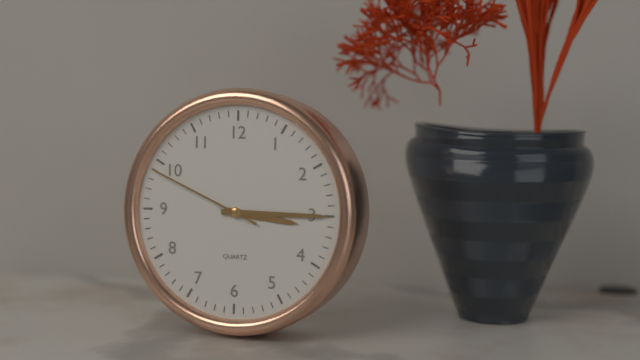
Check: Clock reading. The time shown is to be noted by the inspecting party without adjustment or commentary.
3:15:49
